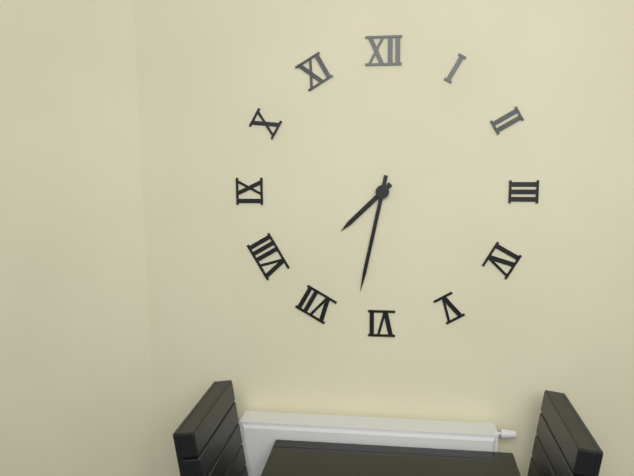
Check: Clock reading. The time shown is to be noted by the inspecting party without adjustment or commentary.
7:32
